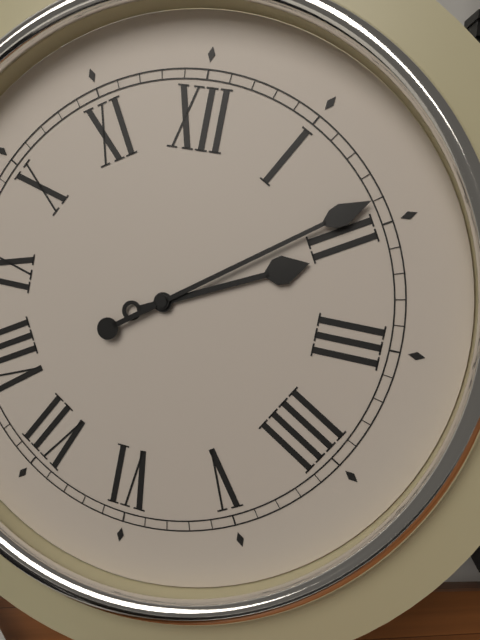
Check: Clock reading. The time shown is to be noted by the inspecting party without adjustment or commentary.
2:09
